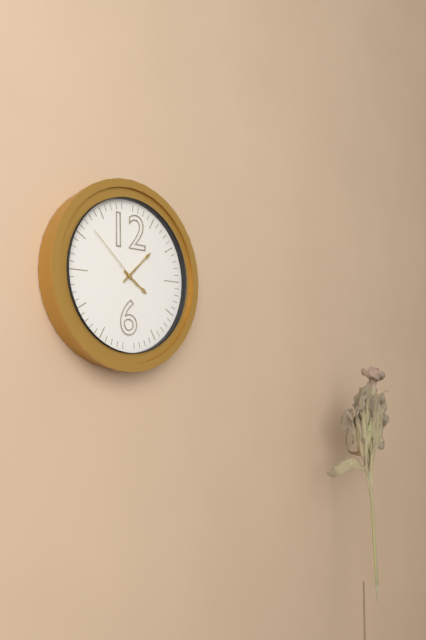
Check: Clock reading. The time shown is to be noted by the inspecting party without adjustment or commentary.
4:08:52
